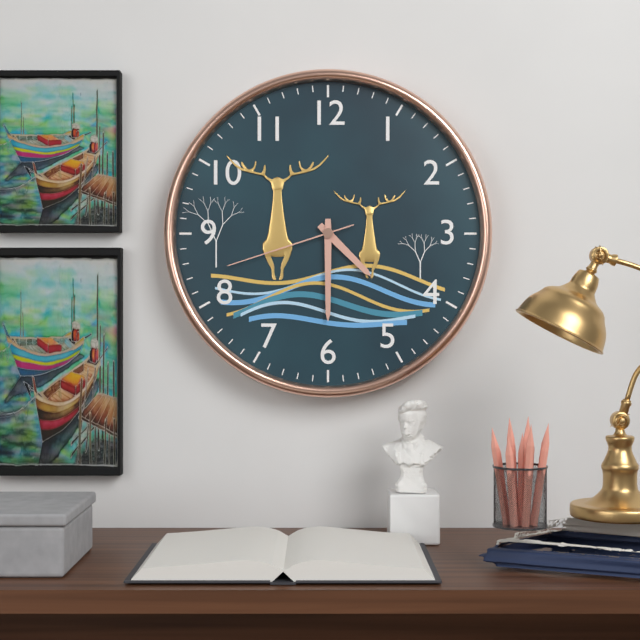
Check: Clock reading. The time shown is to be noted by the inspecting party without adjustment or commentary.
4:30:42
